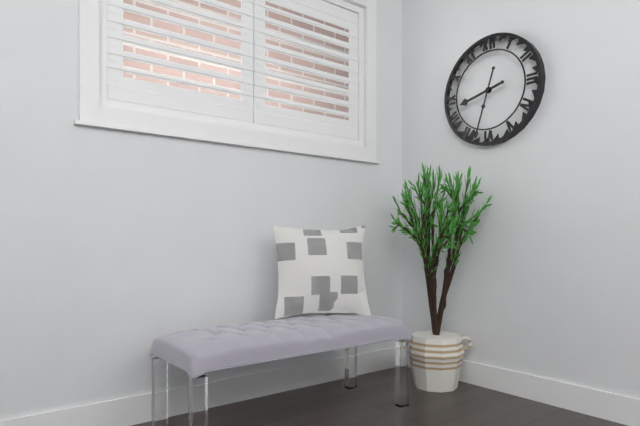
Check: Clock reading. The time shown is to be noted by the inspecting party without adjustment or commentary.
8:33
